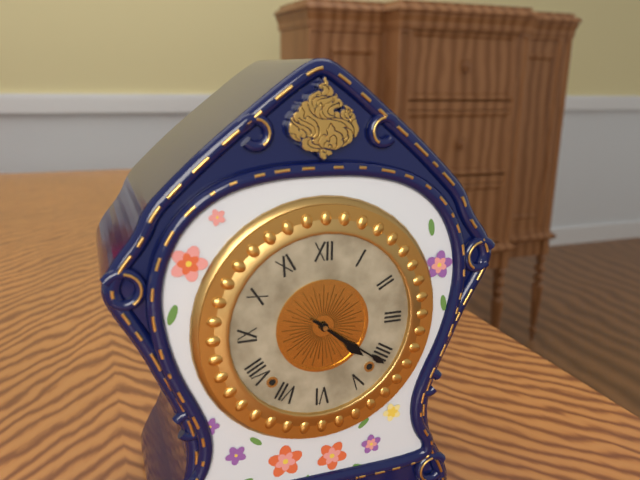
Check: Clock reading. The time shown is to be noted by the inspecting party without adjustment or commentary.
4:21
